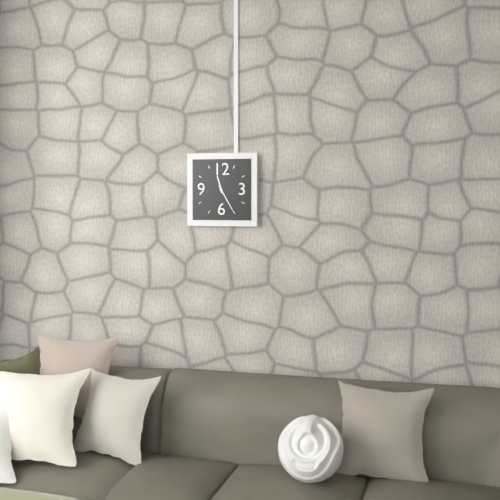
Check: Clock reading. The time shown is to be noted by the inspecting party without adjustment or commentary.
11:25
